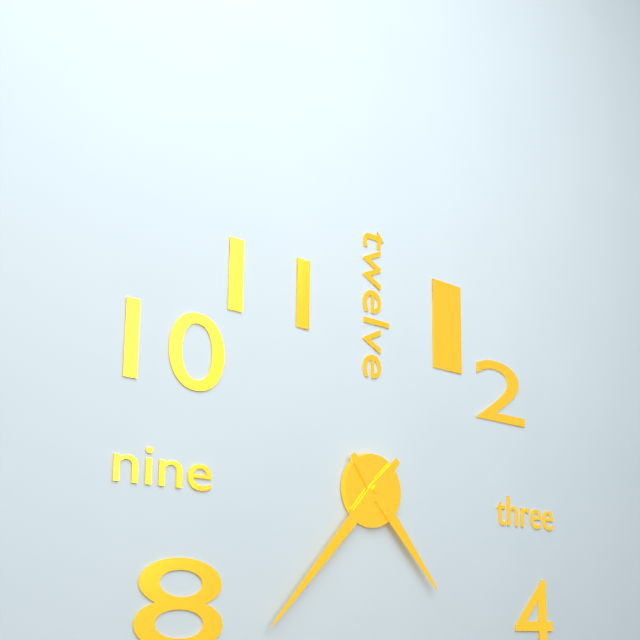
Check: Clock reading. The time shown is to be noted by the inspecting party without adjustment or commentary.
4:37
